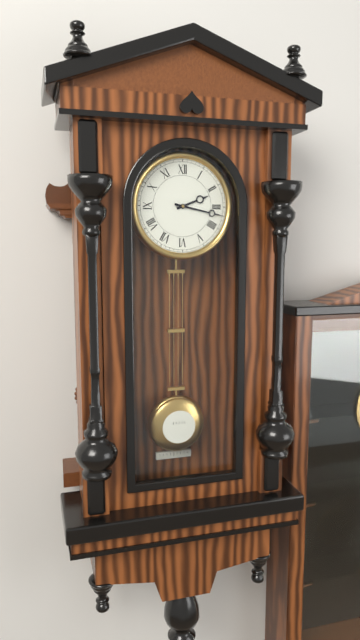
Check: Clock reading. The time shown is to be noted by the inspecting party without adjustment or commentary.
2:17
